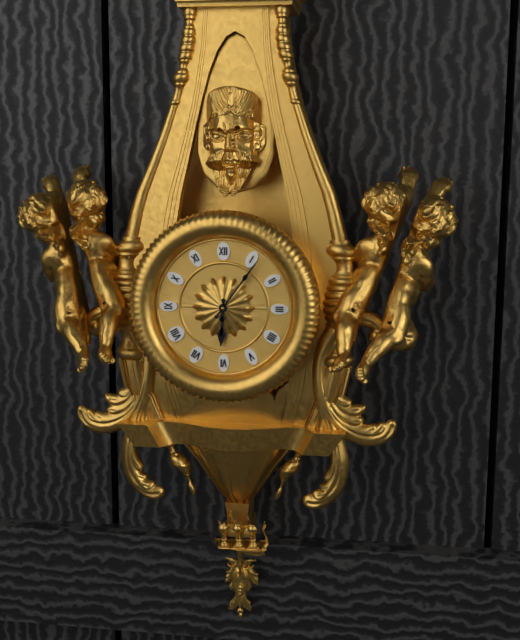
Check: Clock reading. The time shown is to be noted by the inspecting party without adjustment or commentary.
6:06
